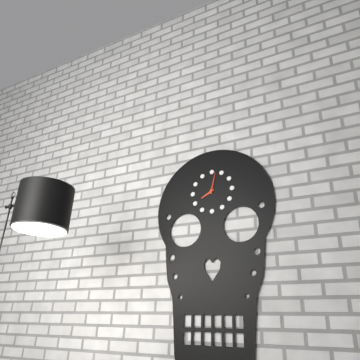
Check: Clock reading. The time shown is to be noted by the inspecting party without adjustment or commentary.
8:02
